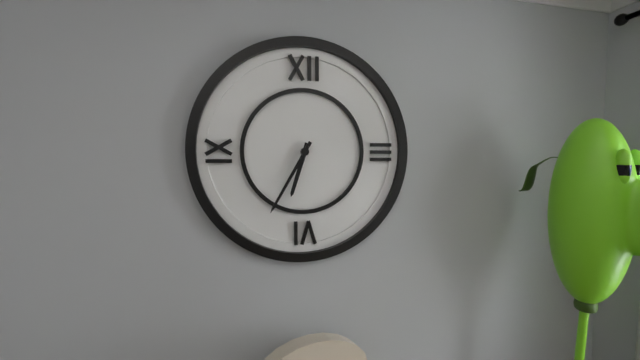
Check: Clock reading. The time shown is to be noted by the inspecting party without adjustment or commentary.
6:35
